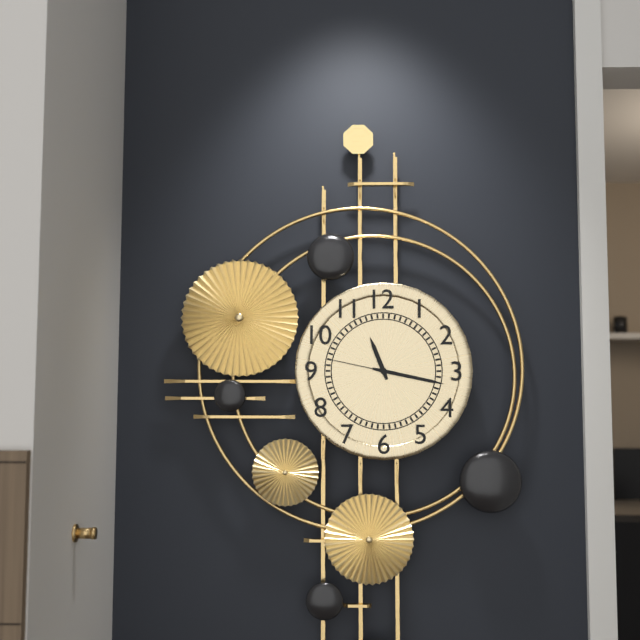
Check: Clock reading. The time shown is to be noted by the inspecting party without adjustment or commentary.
11:17:47
